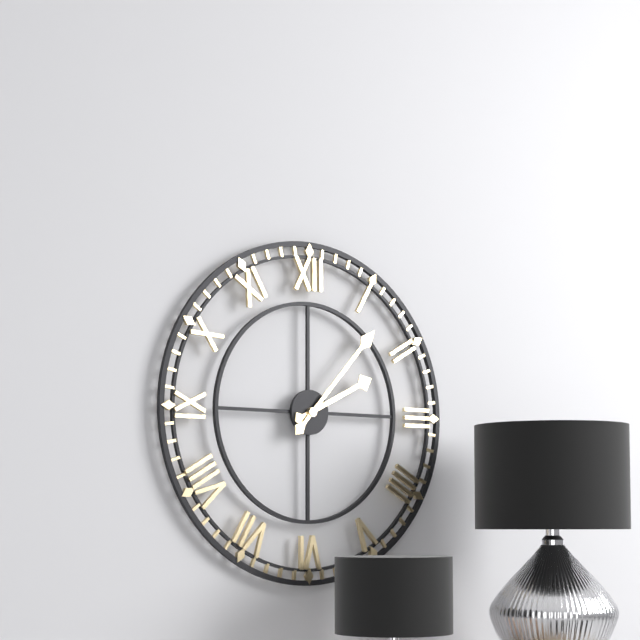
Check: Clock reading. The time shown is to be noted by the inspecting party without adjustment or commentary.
2:07
